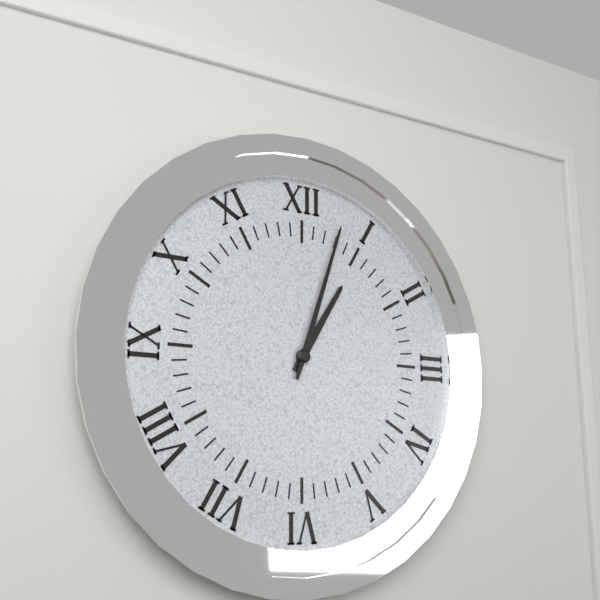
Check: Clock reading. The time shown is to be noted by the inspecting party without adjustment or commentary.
1:03
